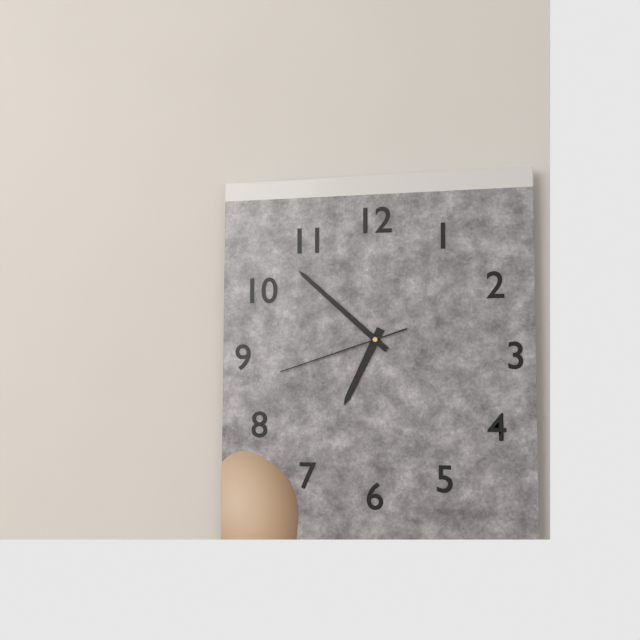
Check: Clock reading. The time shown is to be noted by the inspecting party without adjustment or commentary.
6:52:42
